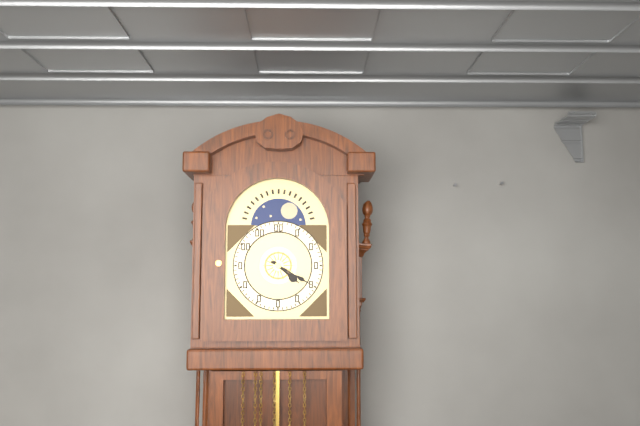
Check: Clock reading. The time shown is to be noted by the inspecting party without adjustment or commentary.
4:20
